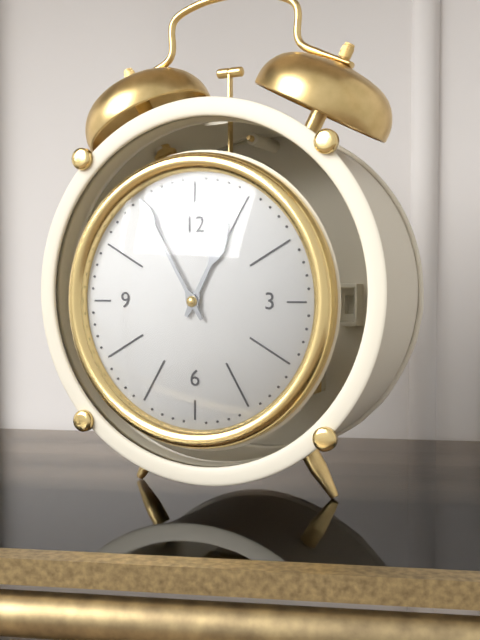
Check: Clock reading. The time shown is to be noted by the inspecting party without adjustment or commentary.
12:55
